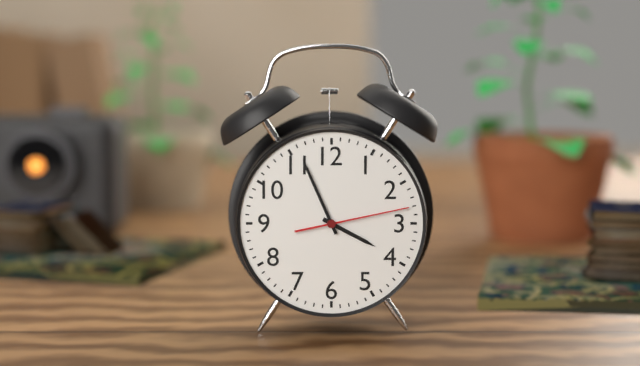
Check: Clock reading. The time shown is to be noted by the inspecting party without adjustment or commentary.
3:56:13
